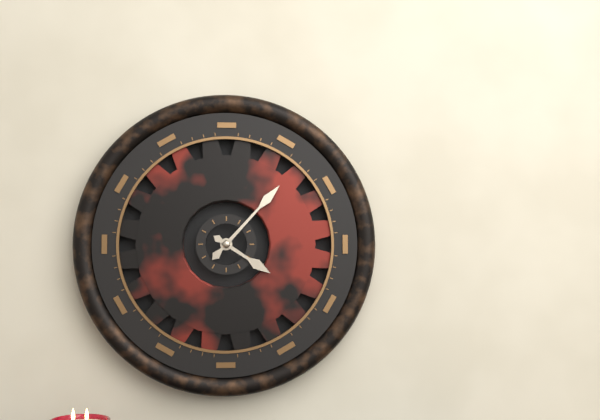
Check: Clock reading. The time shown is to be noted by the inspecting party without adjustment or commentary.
4:07
